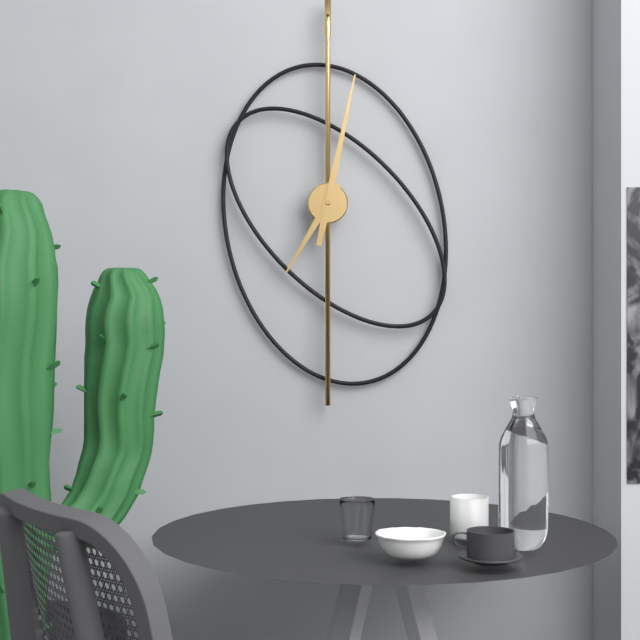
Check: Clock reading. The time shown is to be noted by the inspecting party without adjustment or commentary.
7:02
